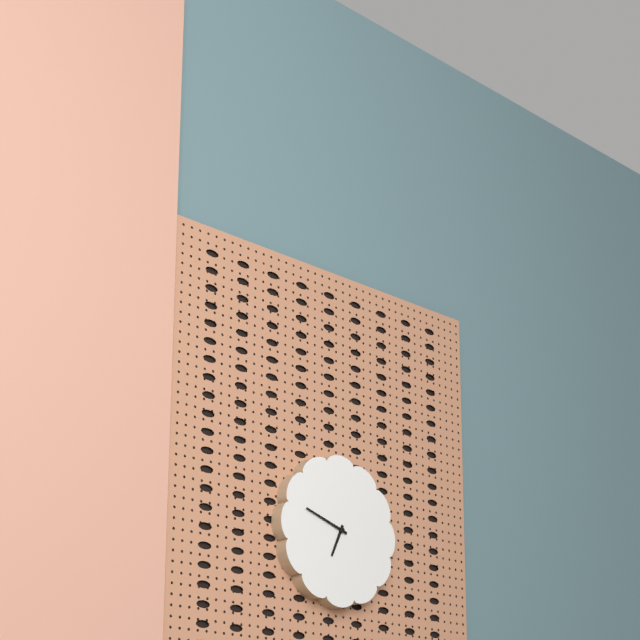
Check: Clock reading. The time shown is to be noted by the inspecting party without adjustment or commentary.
6:48
